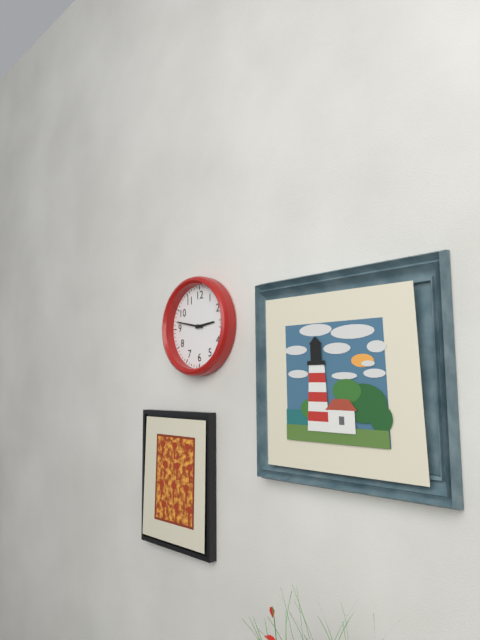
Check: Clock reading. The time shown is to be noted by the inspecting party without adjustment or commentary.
2:47
